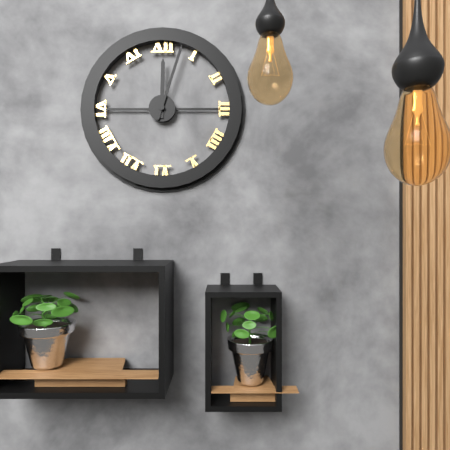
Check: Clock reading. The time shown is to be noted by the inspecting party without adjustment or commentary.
12:03
